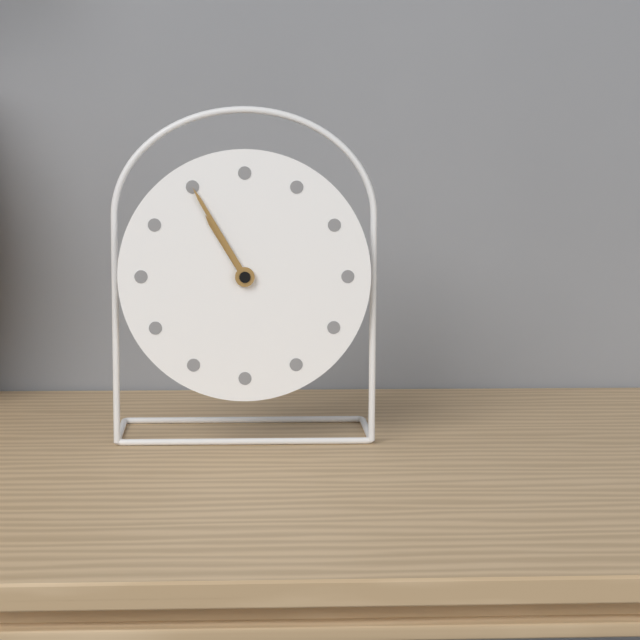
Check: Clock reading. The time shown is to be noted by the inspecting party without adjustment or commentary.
10:55
